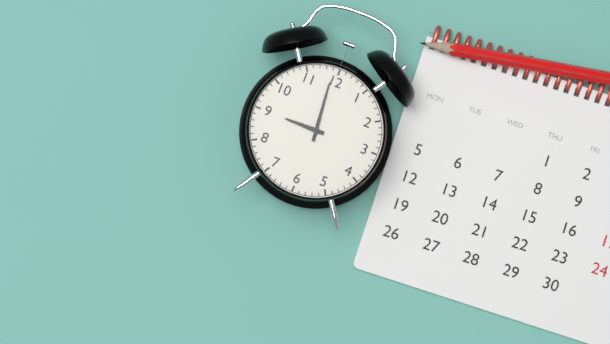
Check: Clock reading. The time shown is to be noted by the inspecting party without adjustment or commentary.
8:59
